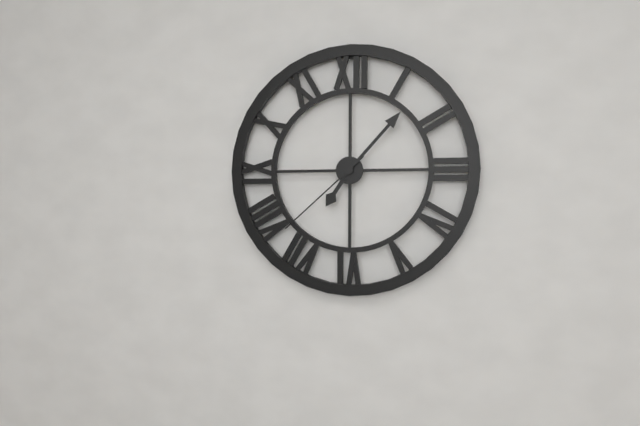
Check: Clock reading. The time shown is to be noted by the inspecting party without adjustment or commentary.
7:07:38
